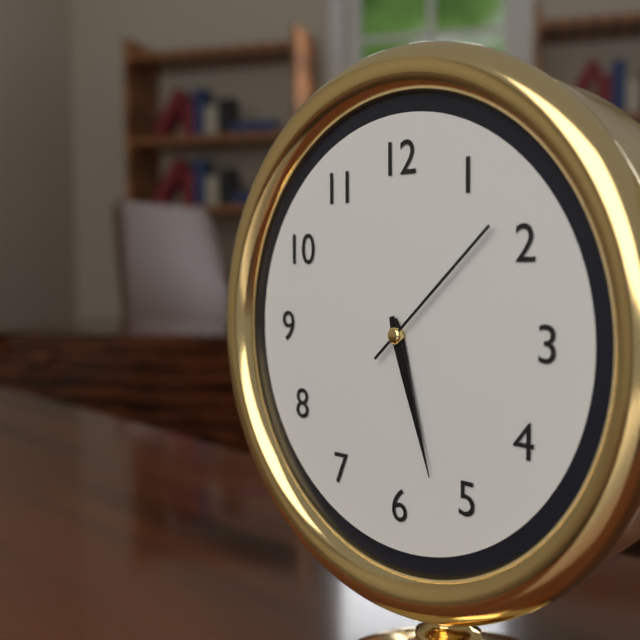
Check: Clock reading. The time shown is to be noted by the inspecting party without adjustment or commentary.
5:27:08
